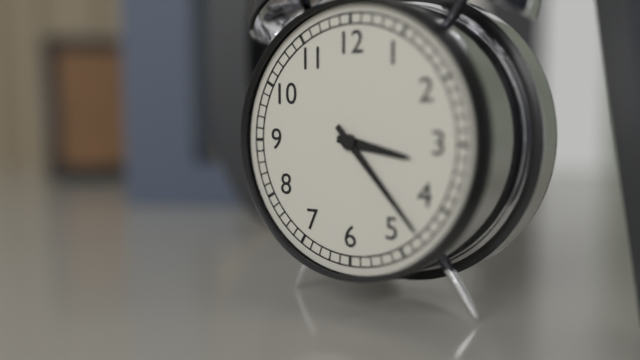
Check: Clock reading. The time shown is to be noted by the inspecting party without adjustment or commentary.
3:23
